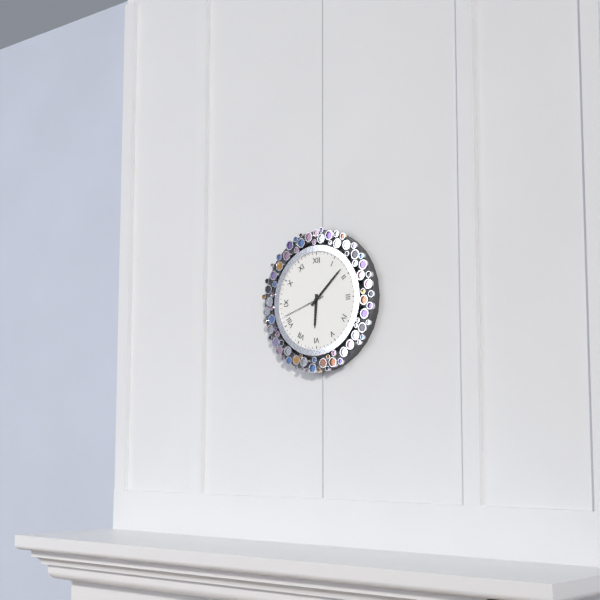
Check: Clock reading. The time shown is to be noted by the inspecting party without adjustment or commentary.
6:08
